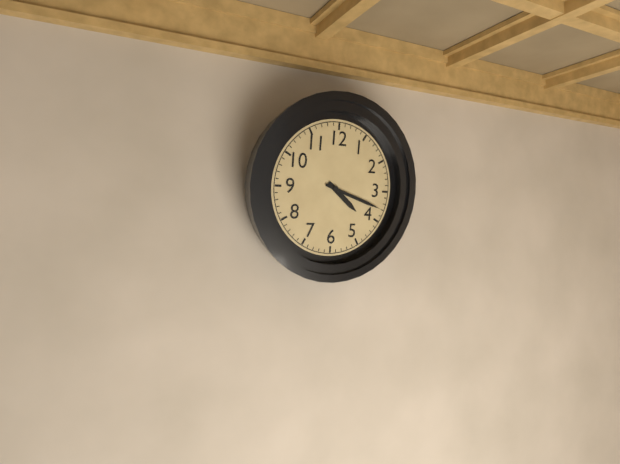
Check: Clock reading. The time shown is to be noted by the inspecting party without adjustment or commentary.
4:18
